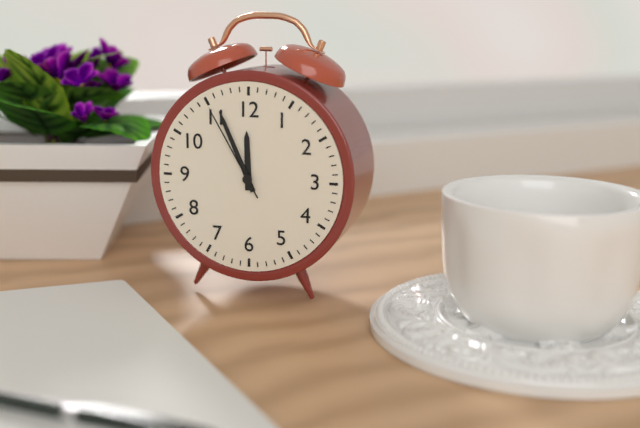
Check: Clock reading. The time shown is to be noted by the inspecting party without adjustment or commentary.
11:56:55
